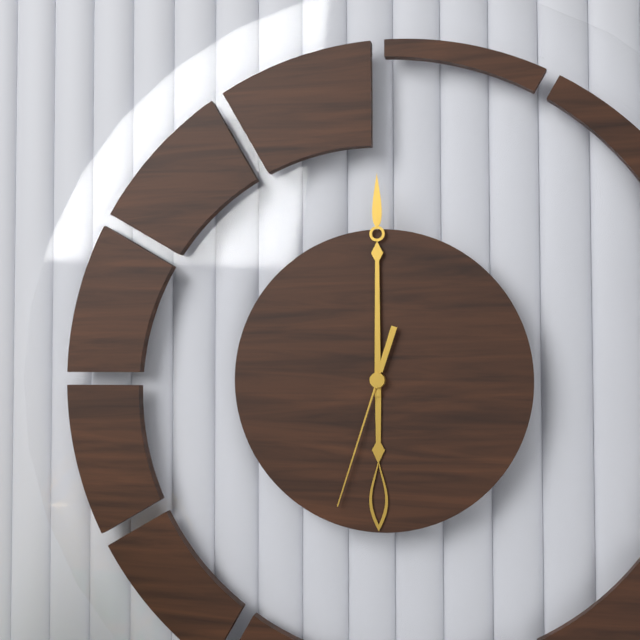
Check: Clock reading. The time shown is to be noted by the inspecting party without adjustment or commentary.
6:00:33
